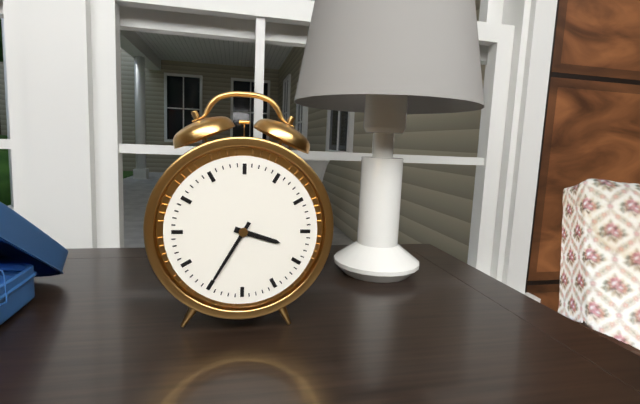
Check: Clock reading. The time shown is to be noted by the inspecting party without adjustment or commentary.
3:35
